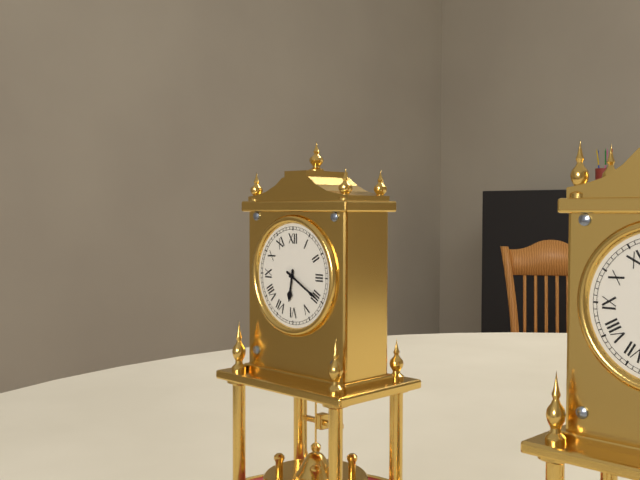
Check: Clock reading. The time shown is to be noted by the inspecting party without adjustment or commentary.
6:20
